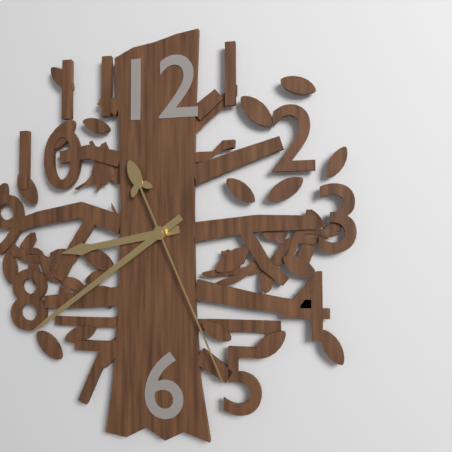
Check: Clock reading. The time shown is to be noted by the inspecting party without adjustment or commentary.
8:39:26
